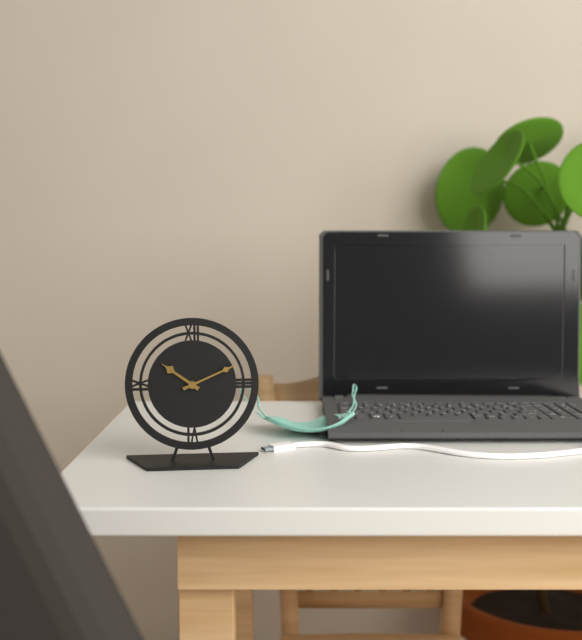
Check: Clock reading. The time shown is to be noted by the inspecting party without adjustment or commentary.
10:11
